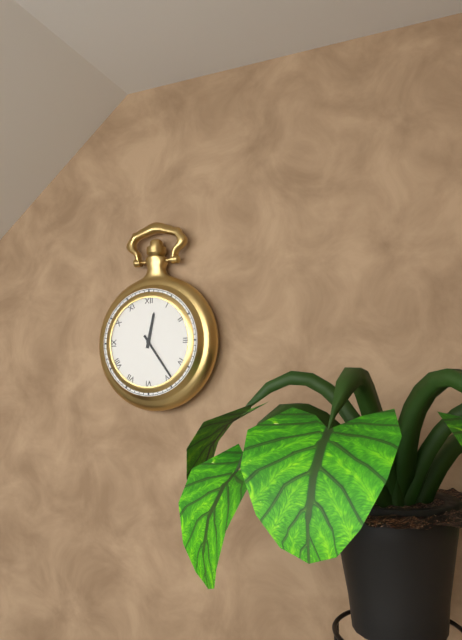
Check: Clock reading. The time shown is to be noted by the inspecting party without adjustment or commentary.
12:24
